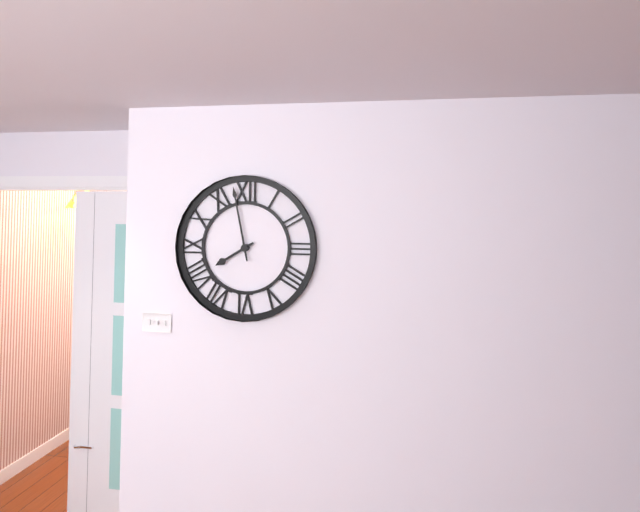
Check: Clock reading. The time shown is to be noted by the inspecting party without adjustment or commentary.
7:58
